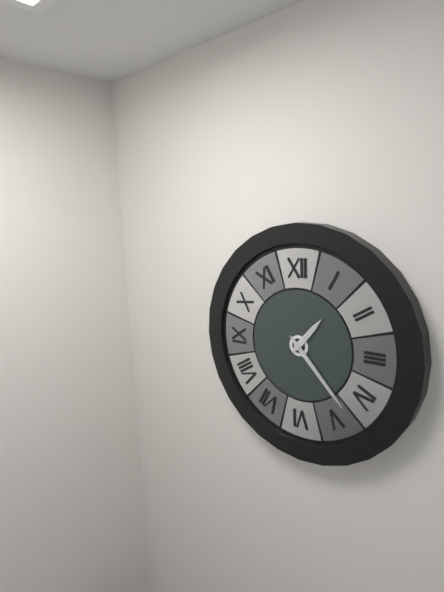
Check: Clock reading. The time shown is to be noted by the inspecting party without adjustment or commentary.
1:23
